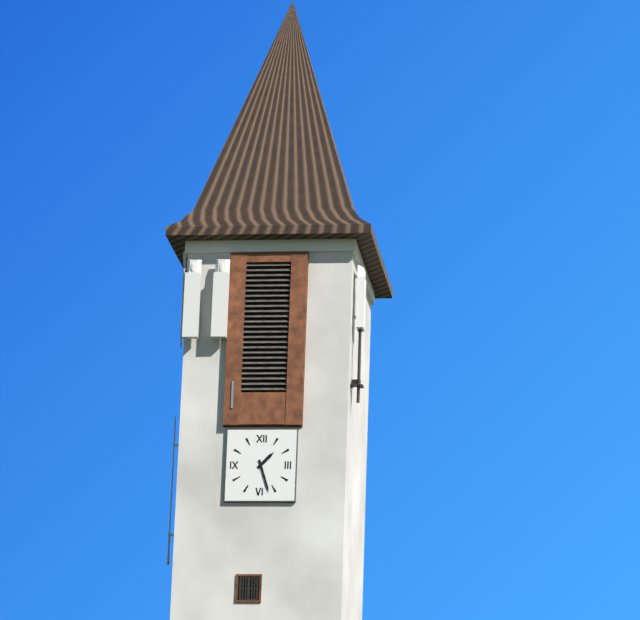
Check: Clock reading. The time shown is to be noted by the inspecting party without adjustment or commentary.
1:27
